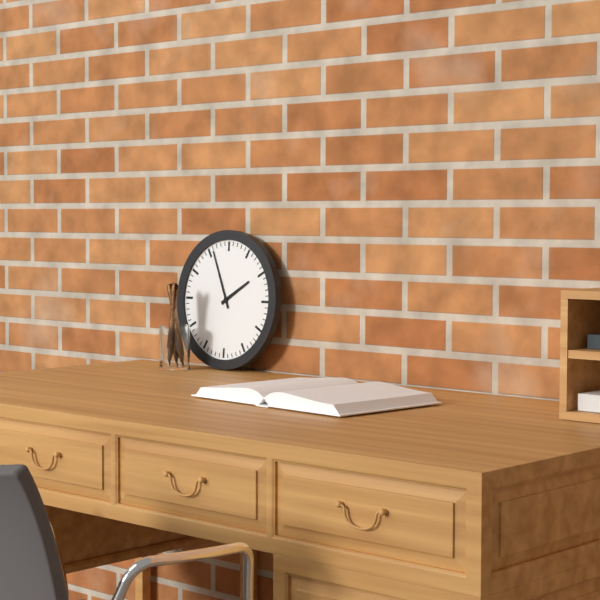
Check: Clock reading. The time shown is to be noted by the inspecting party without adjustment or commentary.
1:56
